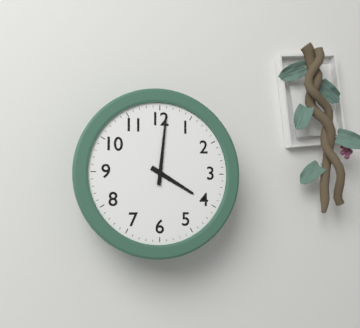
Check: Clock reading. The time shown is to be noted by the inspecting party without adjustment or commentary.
4:01
